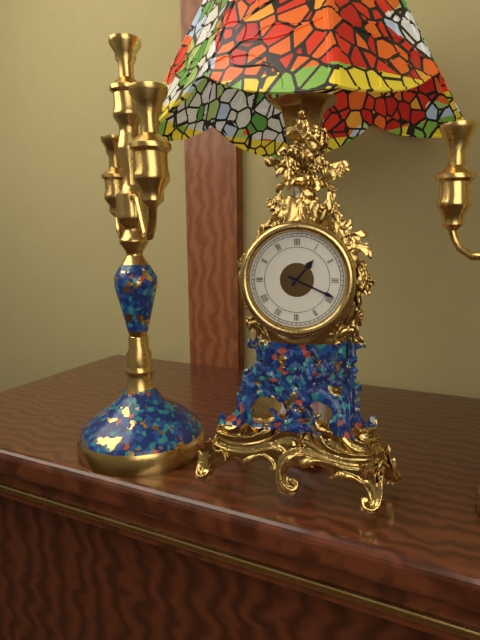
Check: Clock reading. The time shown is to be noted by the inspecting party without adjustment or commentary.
1:19
